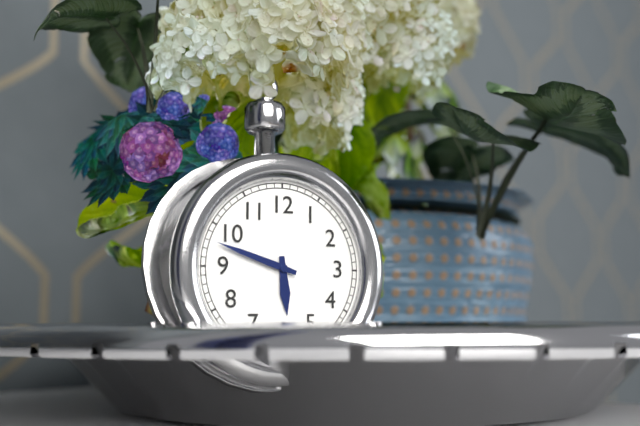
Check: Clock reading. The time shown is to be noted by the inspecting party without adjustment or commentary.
5:48
